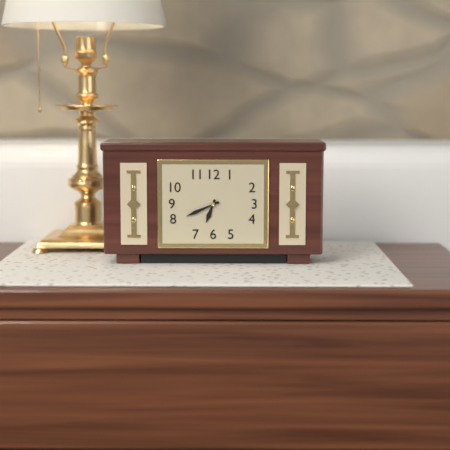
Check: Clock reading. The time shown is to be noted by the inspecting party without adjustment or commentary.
6:41
